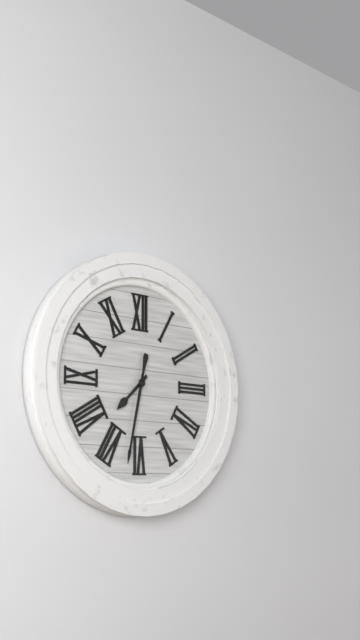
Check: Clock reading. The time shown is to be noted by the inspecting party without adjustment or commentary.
7:32
